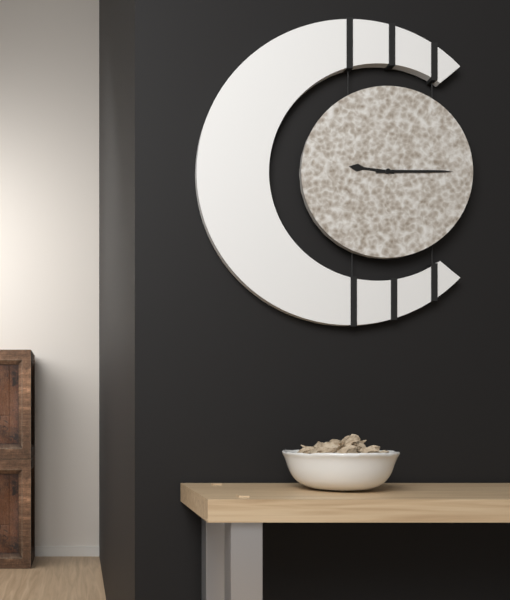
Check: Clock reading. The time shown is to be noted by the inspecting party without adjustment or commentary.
9:15
